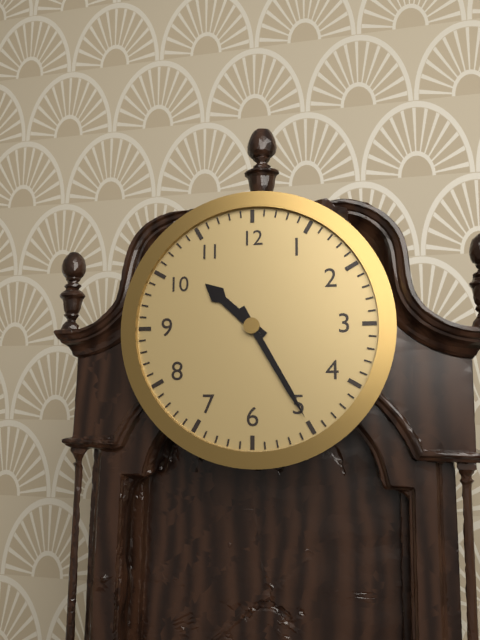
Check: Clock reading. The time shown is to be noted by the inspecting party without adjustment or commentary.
10:25
